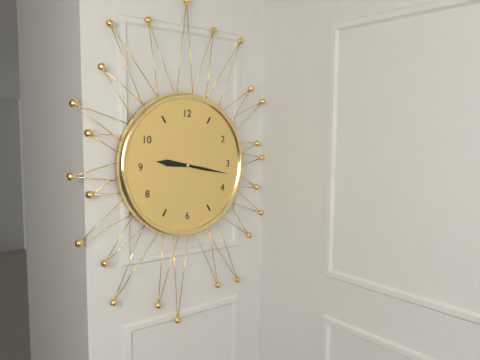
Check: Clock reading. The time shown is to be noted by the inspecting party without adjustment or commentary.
9:17
